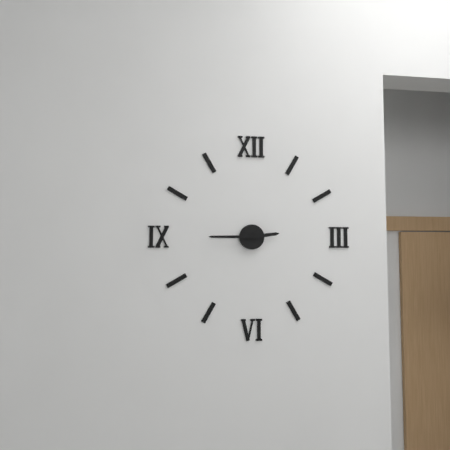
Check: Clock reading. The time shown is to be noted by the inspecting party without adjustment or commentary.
2:45
